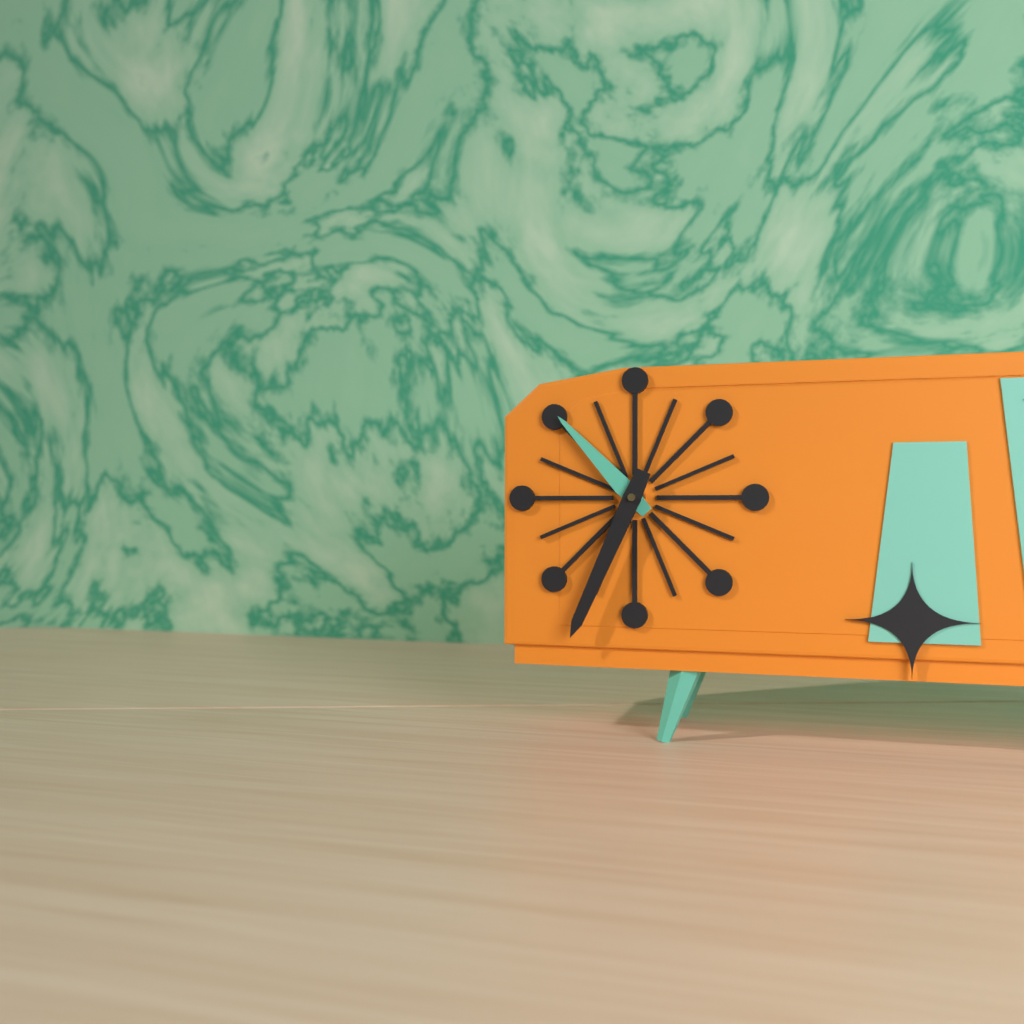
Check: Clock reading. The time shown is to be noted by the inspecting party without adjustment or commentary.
10:34
